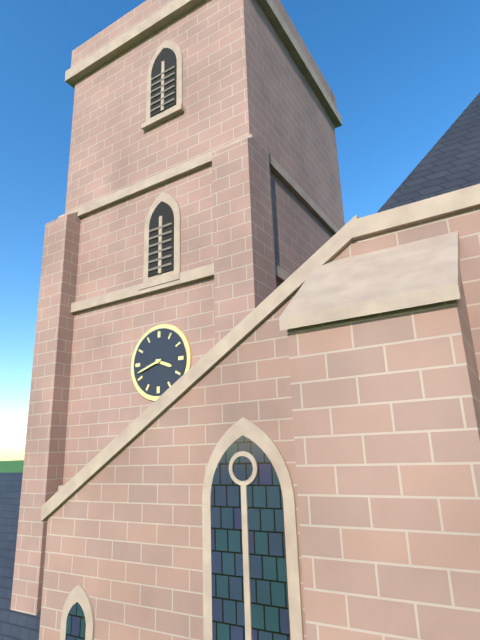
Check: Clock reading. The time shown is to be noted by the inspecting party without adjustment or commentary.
3:42
